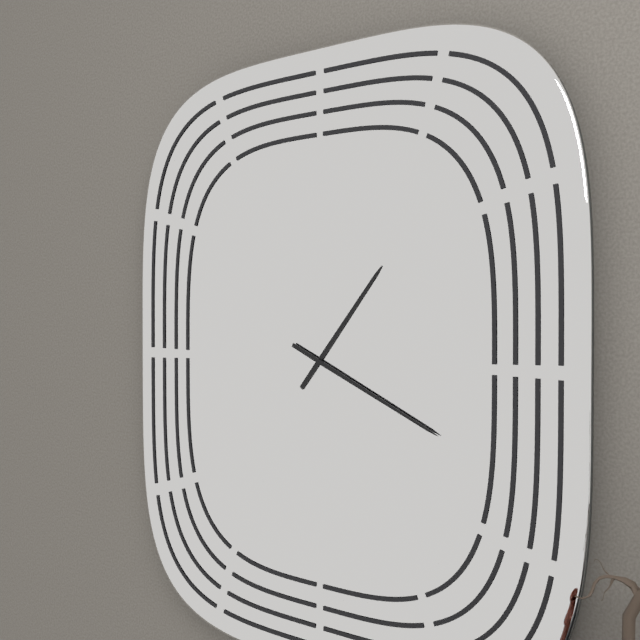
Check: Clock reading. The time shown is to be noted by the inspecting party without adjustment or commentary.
1:19
